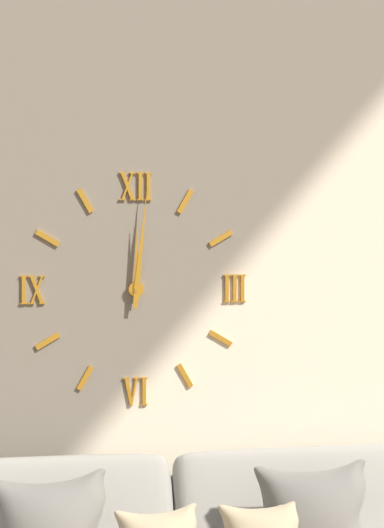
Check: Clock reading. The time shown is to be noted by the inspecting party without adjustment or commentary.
12:01
